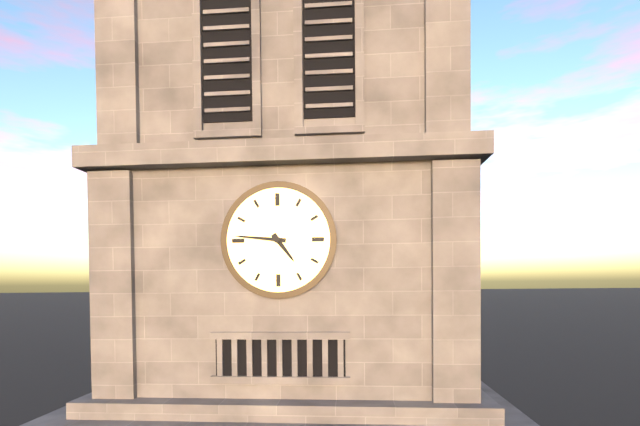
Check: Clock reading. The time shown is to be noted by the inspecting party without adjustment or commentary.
4:46
